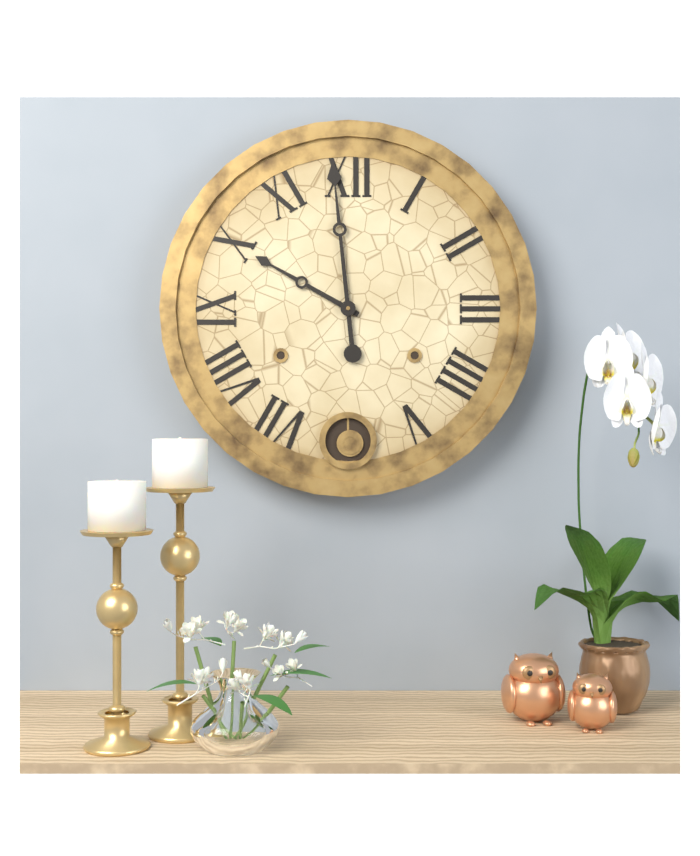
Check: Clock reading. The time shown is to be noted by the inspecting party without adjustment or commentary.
9:59
